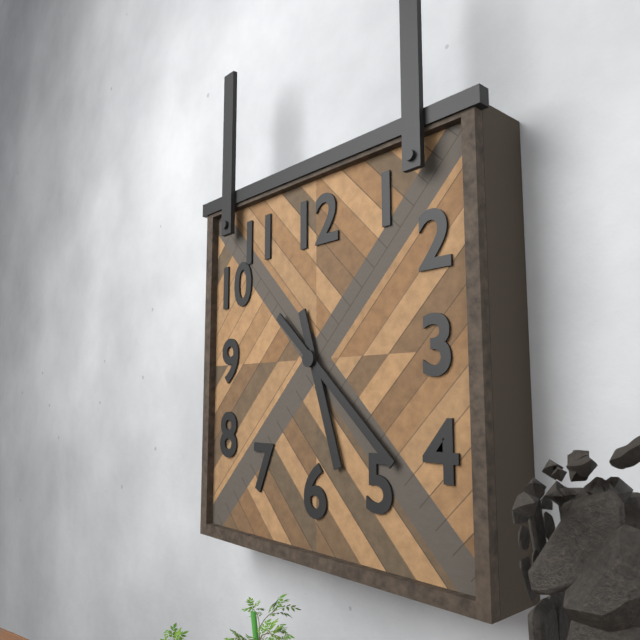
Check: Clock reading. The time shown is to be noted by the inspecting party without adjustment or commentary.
5:22
